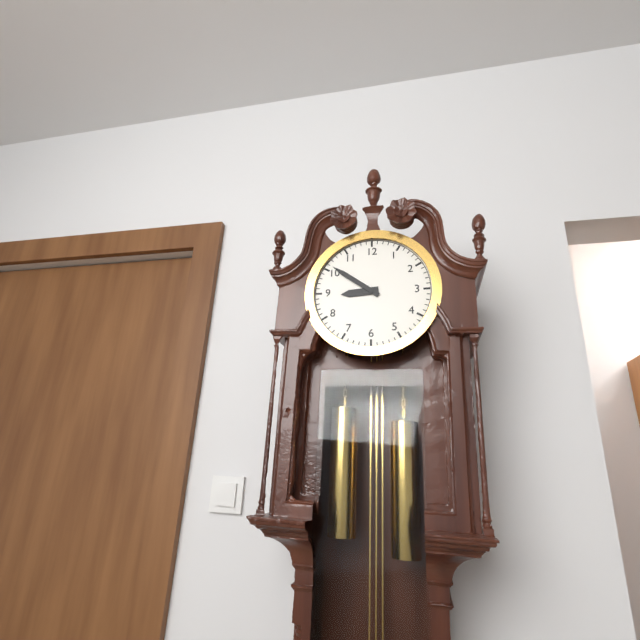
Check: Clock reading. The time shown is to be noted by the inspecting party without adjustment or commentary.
8:51
